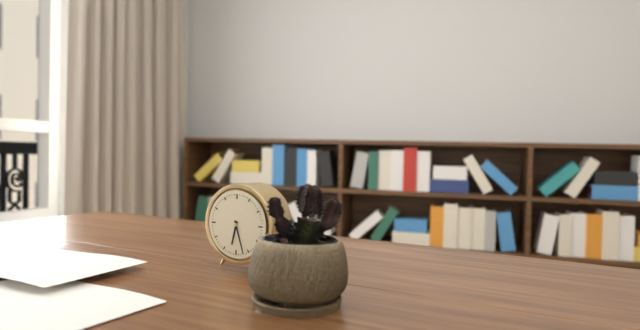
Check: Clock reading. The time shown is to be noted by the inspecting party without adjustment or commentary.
6:27
